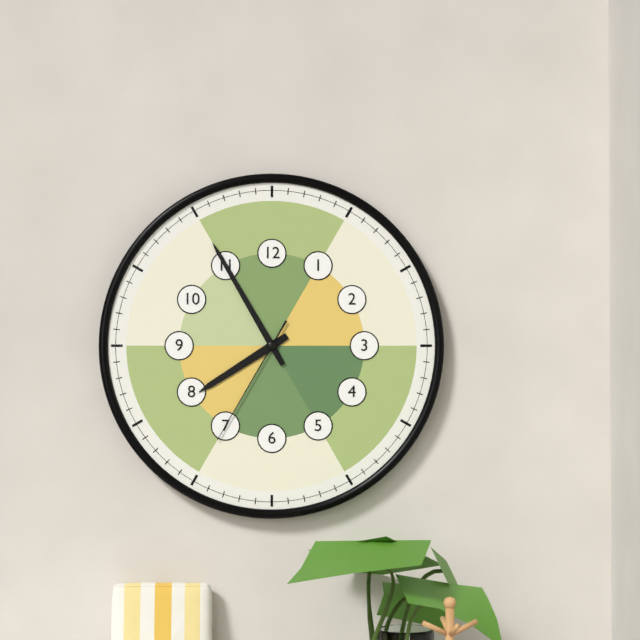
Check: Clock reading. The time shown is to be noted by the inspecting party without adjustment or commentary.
7:55:35
